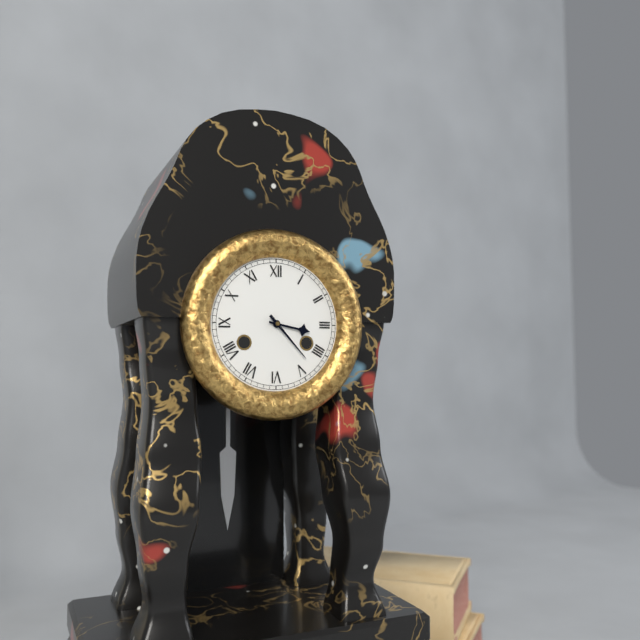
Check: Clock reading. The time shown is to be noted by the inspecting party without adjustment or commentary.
3:23
